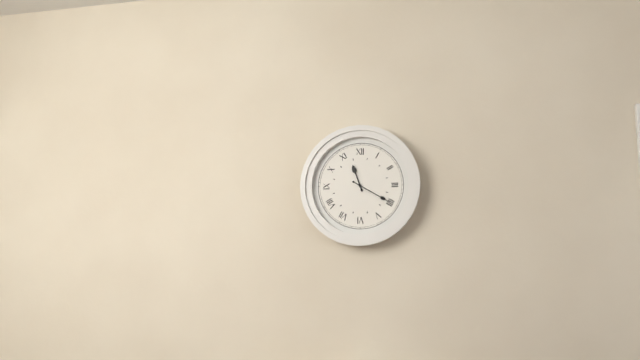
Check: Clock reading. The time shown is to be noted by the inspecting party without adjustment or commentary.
11:20
